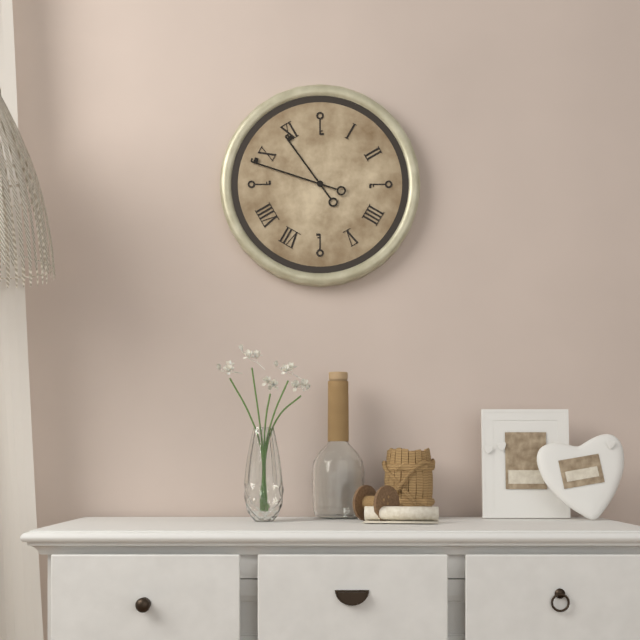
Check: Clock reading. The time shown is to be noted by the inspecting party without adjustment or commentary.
10:48
